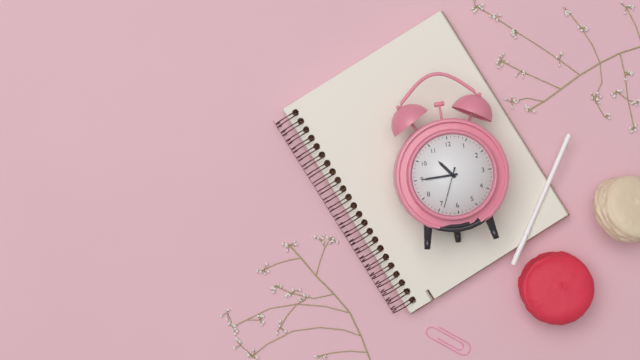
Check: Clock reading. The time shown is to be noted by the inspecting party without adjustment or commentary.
10:45
